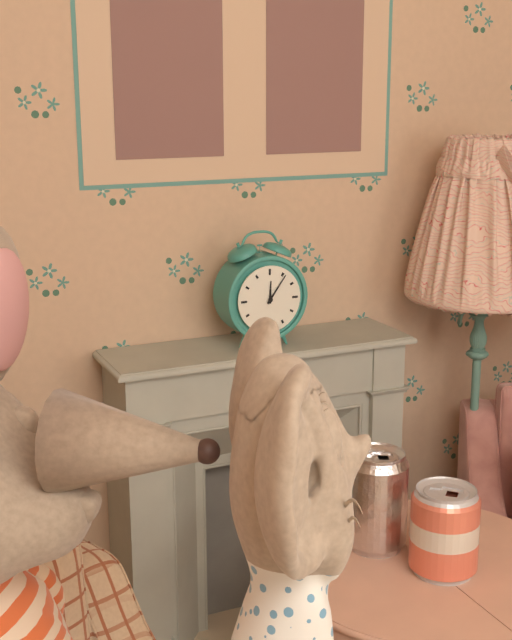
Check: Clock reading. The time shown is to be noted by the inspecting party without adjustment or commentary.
12:06
